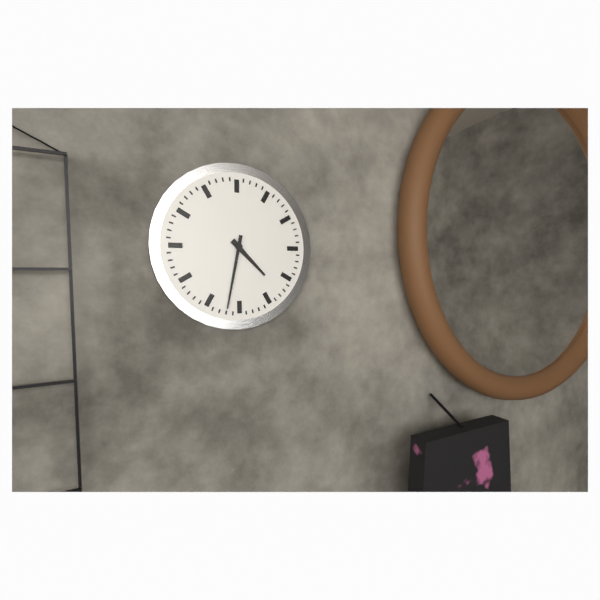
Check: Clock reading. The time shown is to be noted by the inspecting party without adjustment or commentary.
4:32
